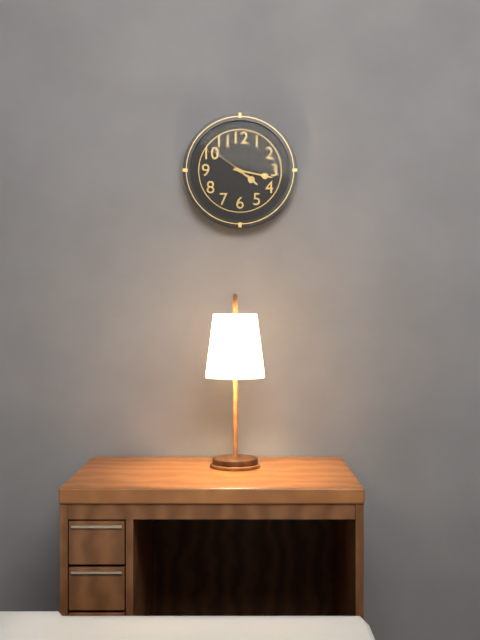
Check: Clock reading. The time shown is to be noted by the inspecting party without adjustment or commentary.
4:17
